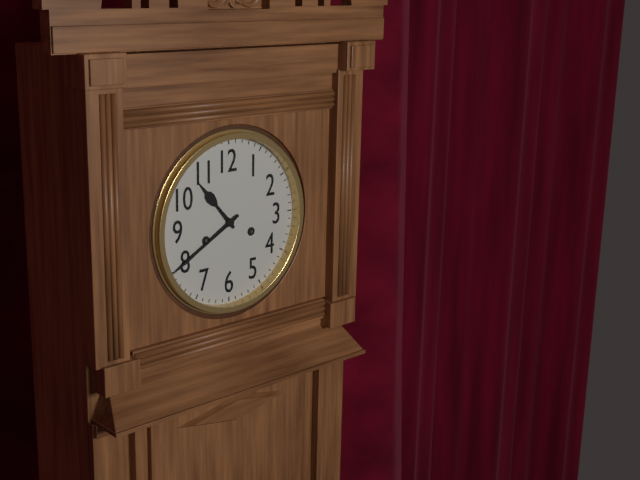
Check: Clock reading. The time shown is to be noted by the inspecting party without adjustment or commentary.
10:40
